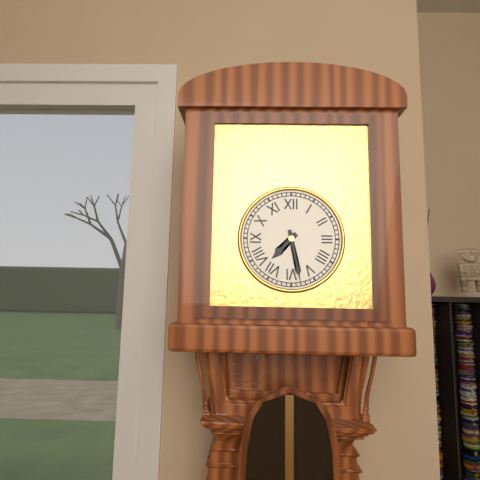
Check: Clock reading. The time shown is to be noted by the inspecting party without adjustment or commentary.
7:28
